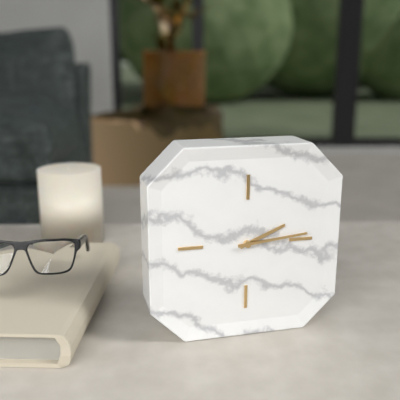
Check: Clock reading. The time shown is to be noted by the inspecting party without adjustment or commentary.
2:14
